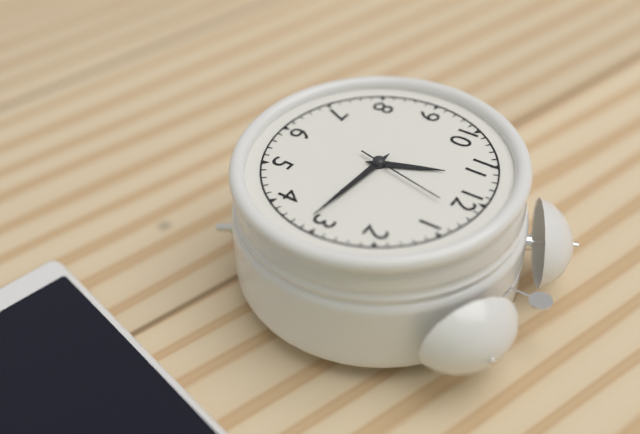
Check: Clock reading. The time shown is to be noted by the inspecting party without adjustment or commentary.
11:16:02
